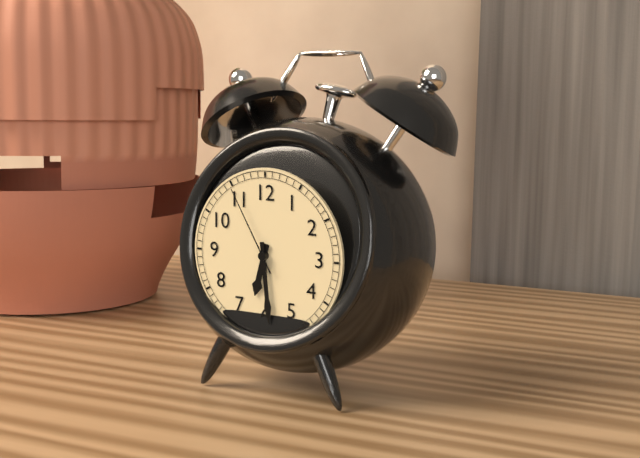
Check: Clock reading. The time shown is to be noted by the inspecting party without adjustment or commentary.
6:29:55
